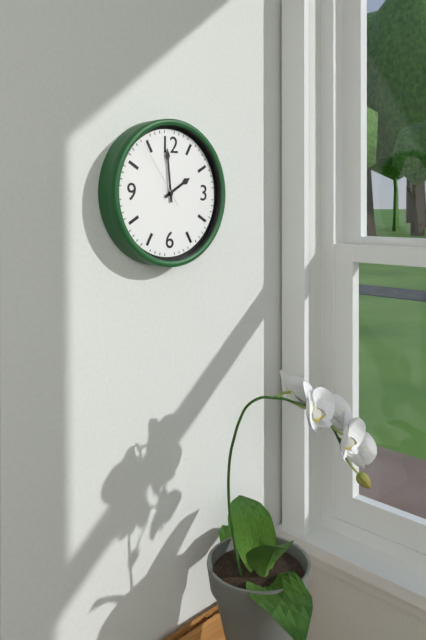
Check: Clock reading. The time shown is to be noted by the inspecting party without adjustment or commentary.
1:59:54
